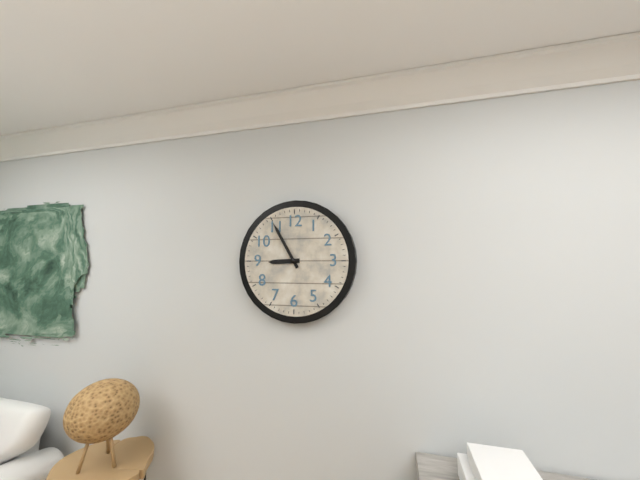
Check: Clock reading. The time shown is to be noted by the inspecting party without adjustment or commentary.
8:55
